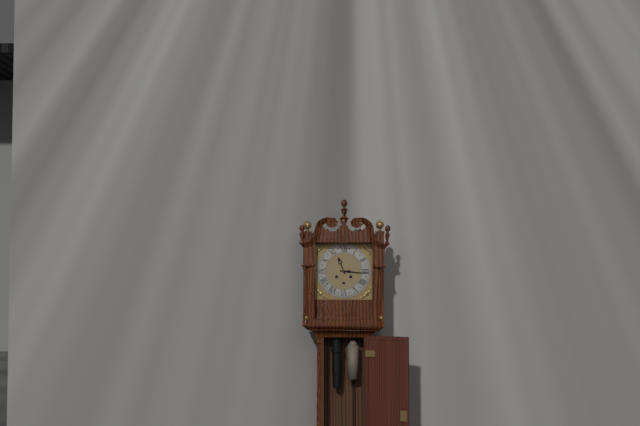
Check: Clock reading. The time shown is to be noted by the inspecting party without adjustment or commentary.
11:16
